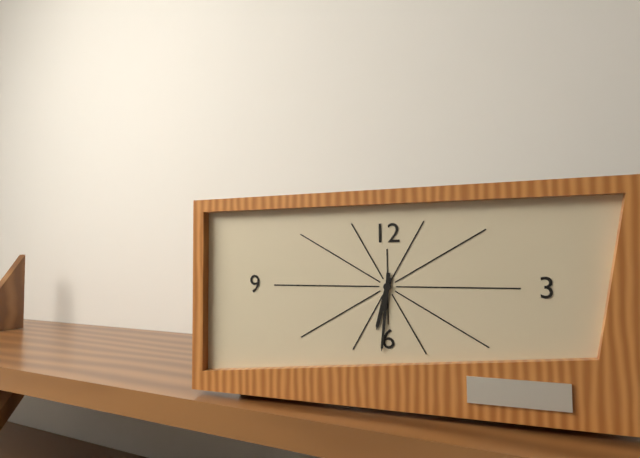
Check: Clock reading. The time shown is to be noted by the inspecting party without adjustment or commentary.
6:31
